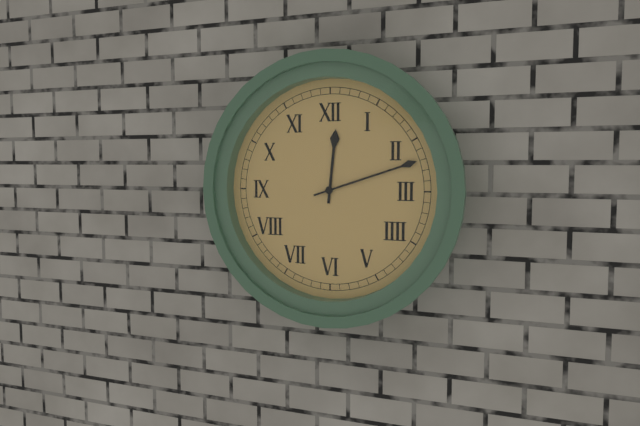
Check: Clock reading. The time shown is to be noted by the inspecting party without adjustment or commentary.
12:12
